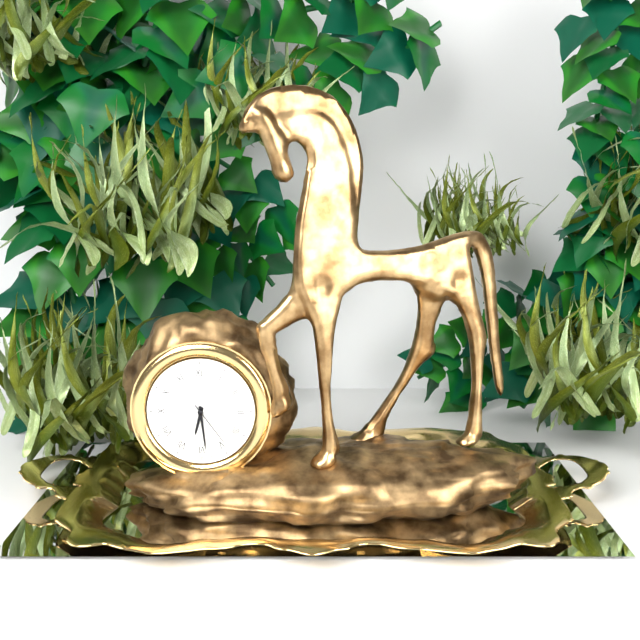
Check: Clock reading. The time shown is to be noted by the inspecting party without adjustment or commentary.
6:29:24
